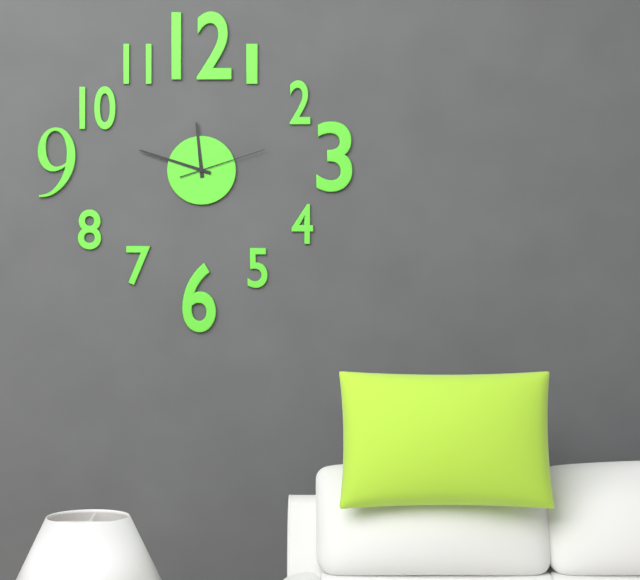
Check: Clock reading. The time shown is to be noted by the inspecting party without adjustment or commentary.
11:48:12
